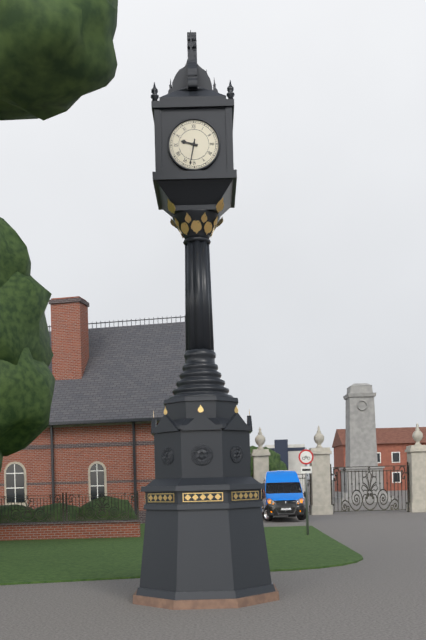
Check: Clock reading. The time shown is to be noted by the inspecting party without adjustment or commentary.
9:32
